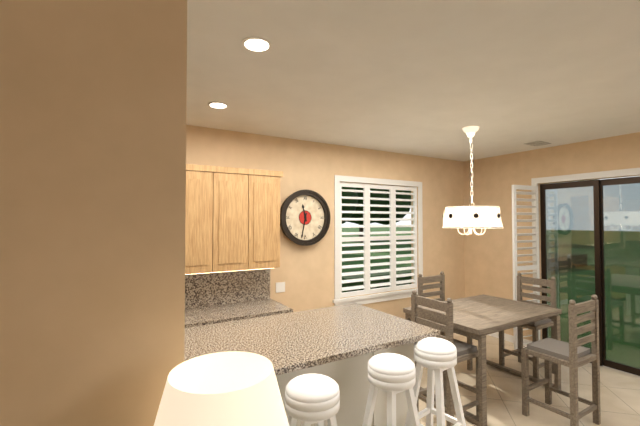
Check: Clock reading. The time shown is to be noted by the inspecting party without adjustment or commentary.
11:32
